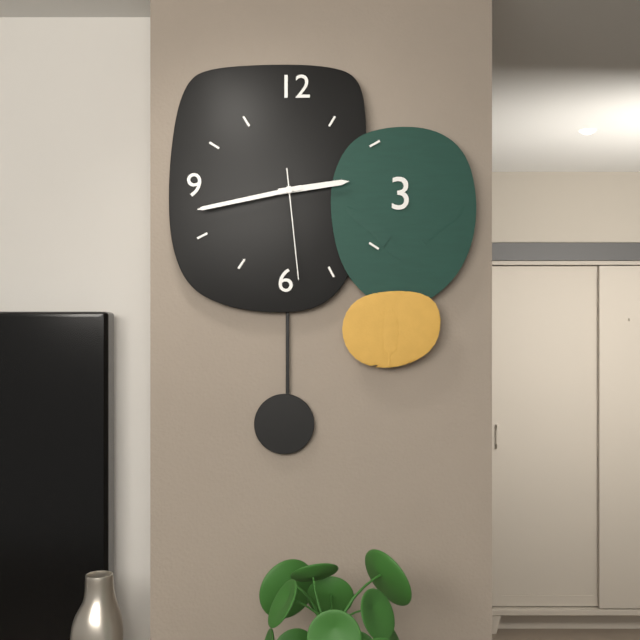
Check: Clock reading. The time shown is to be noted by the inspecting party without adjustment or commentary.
2:43:29
